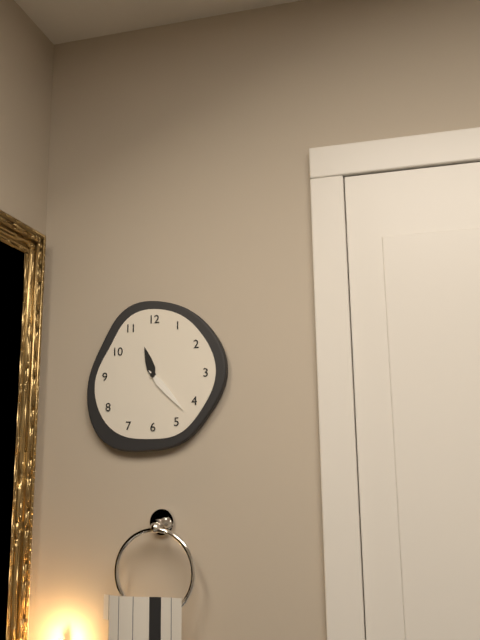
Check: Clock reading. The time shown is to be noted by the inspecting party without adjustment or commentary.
11:23
